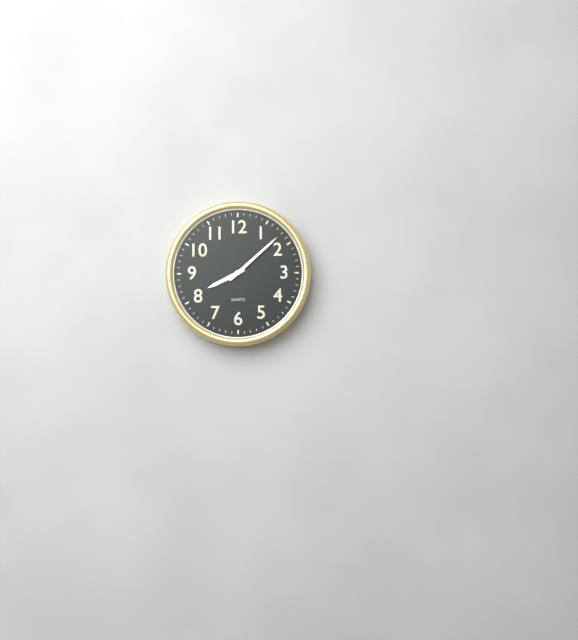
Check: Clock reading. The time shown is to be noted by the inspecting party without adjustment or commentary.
8:08
